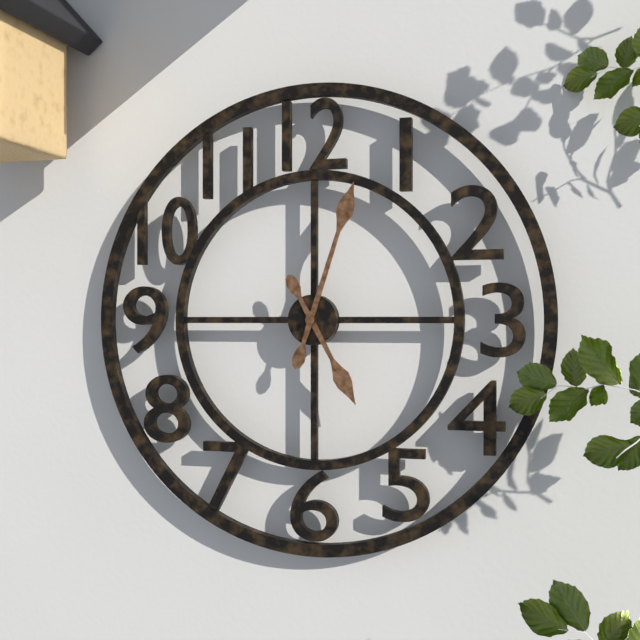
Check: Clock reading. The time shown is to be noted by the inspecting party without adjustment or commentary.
5:03
